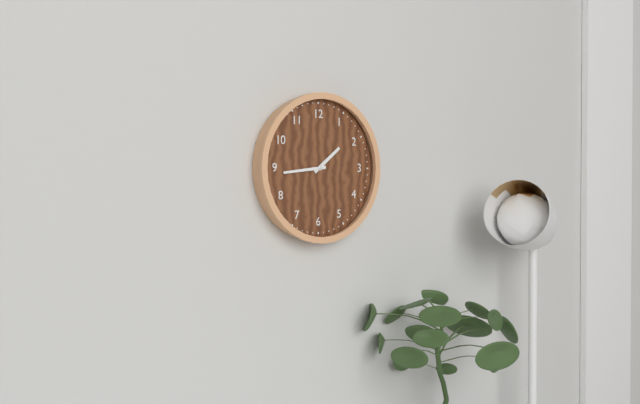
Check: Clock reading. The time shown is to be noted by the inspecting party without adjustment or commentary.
1:44
